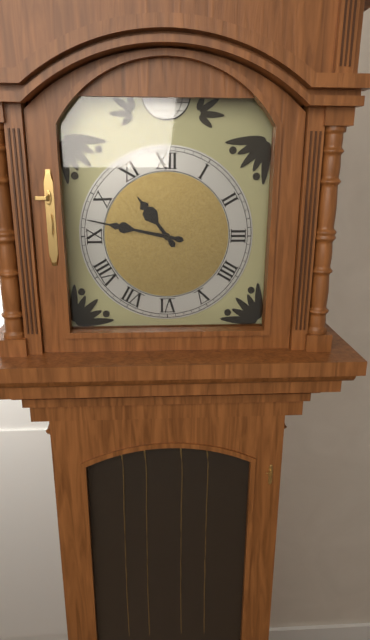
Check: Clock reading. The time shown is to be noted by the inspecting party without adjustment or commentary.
10:47
